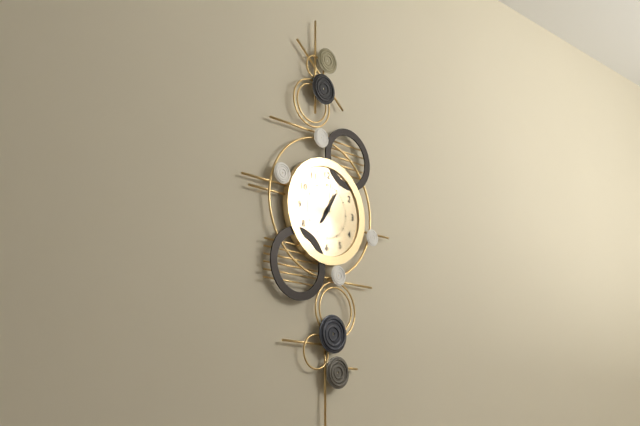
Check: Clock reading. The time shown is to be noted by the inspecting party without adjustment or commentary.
7:05
